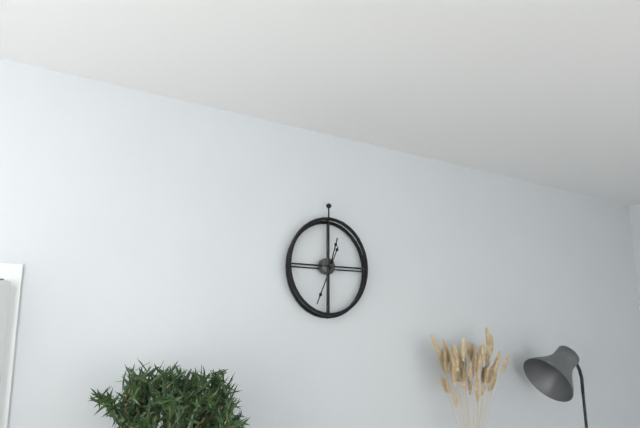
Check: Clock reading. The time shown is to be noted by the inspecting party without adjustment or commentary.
12:34
